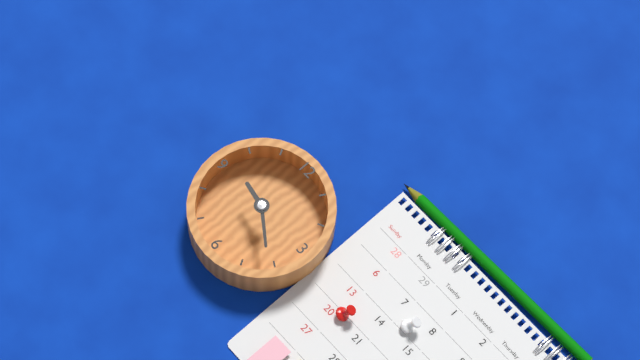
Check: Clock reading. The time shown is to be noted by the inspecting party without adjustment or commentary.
9:21
